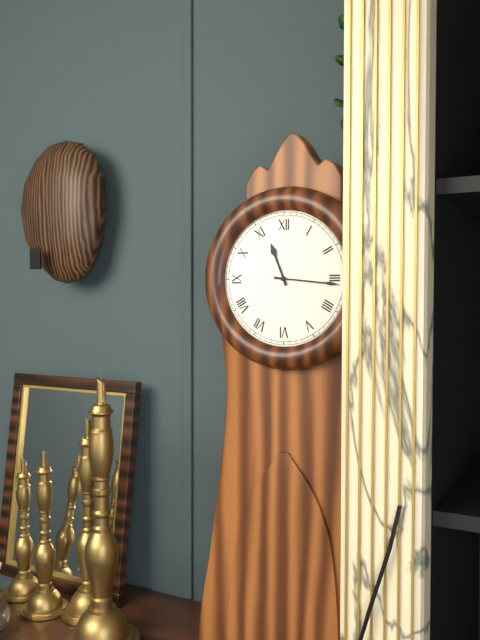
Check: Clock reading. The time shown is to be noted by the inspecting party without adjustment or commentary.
11:16
